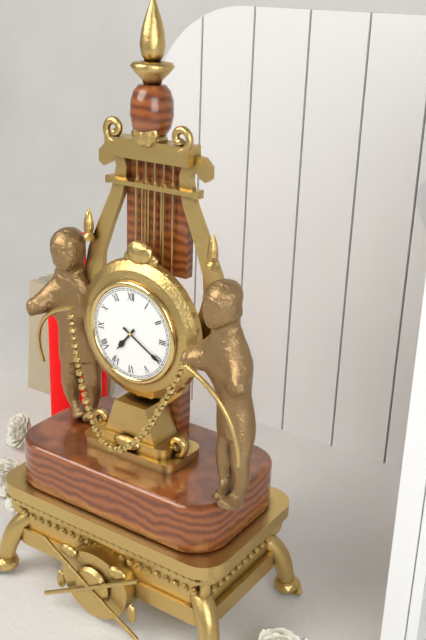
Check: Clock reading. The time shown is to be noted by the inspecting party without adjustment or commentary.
7:20
